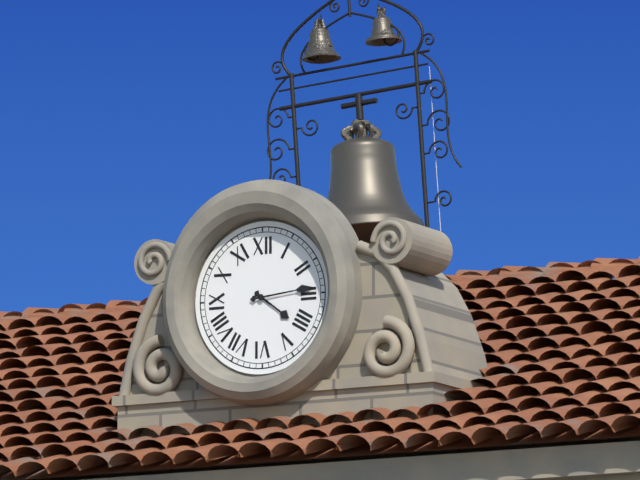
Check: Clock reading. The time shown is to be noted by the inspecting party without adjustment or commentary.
4:14
